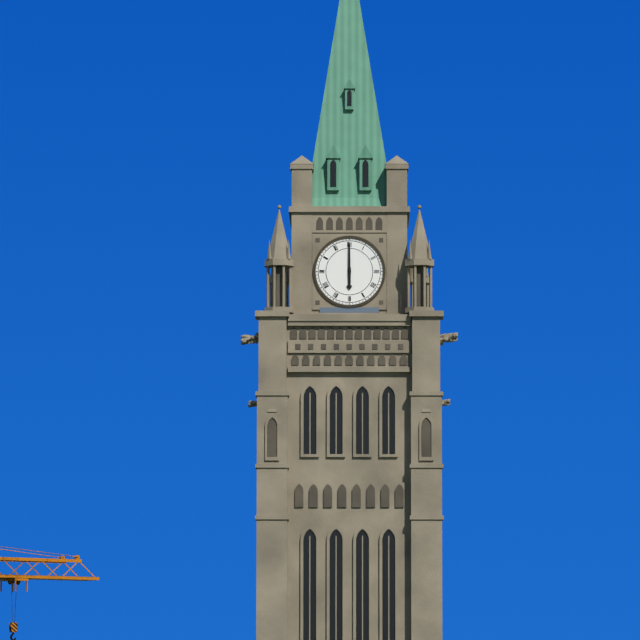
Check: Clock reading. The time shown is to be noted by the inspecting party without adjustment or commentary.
6:00
